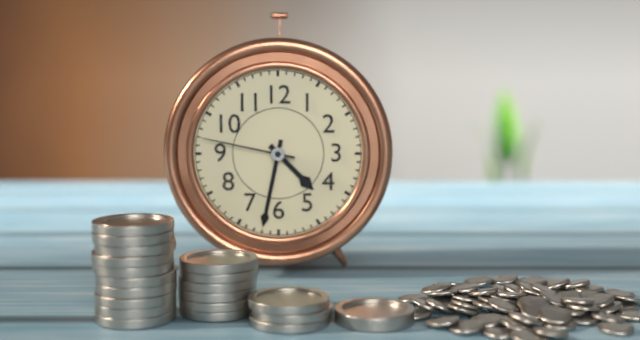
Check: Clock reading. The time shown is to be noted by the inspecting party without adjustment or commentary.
4:32:47
